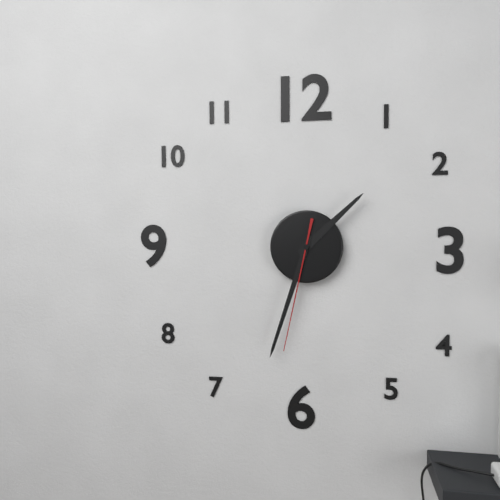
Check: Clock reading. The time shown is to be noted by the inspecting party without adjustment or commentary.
1:33:32
